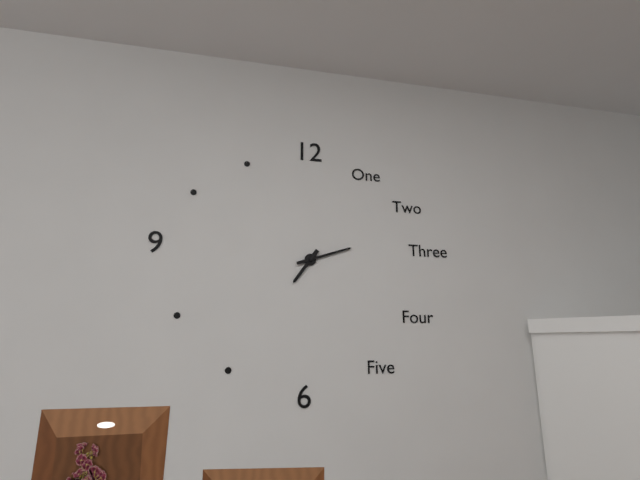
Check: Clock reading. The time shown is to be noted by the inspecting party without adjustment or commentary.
7:12
